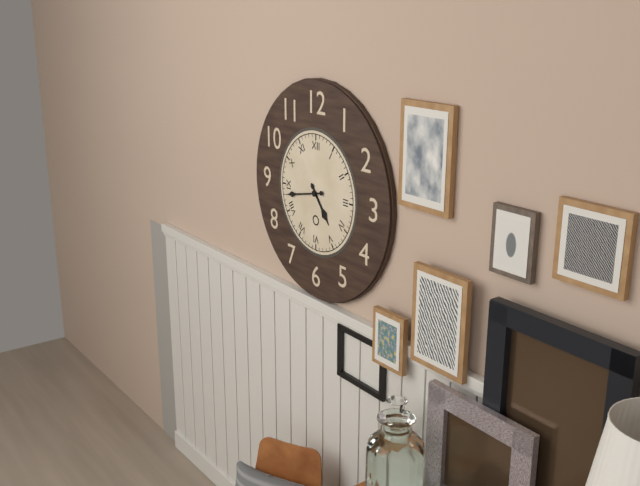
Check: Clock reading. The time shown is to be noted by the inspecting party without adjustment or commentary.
4:43
